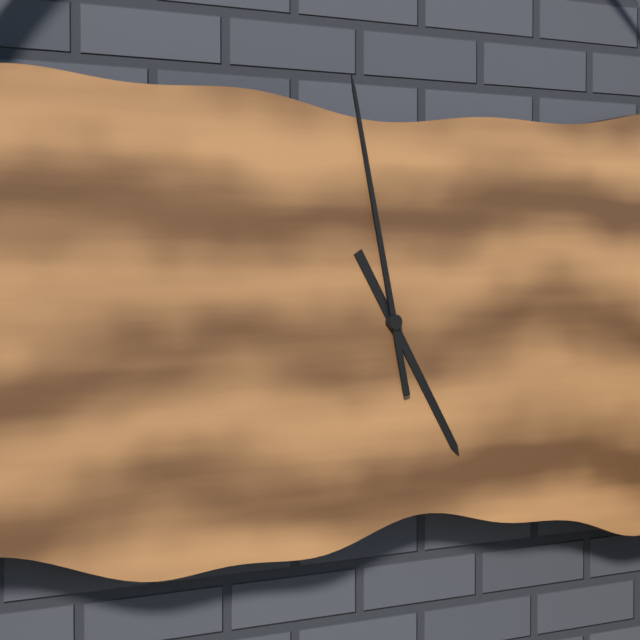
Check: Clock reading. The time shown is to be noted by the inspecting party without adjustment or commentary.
4:58
